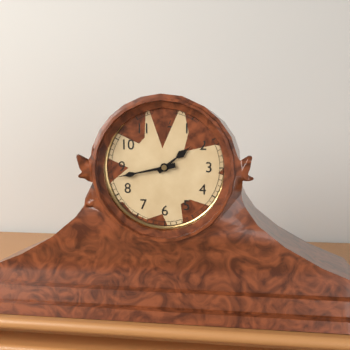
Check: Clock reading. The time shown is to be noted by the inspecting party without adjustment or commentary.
1:43
